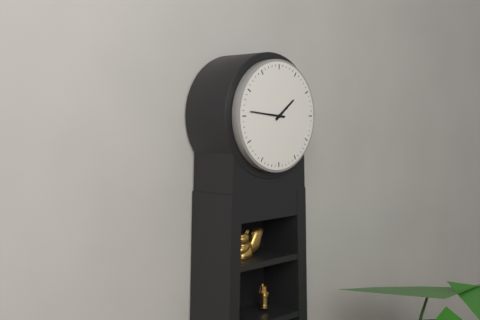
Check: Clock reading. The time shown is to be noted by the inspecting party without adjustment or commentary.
1:46
